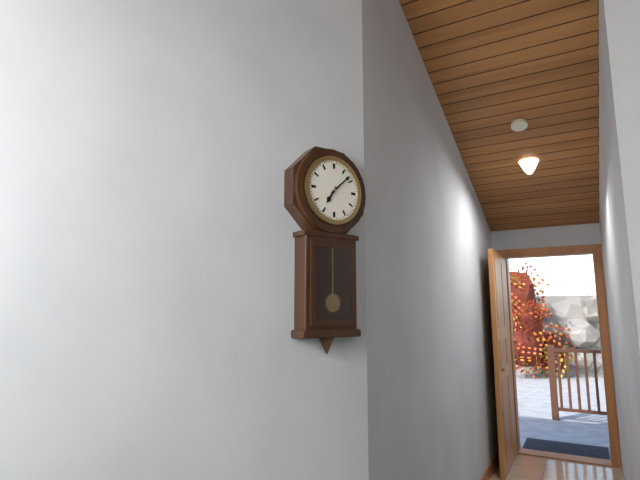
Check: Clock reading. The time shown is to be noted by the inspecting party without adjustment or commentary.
7:08
